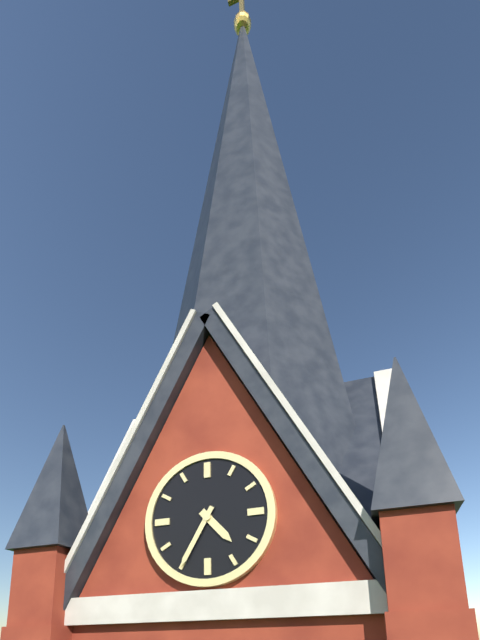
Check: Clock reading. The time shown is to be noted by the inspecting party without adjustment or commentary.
4:35
